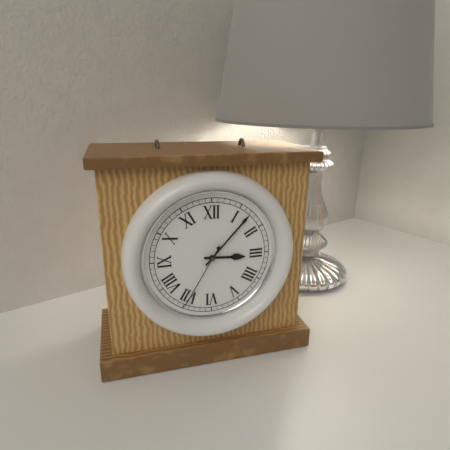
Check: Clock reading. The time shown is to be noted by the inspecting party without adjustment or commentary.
3:07:35
